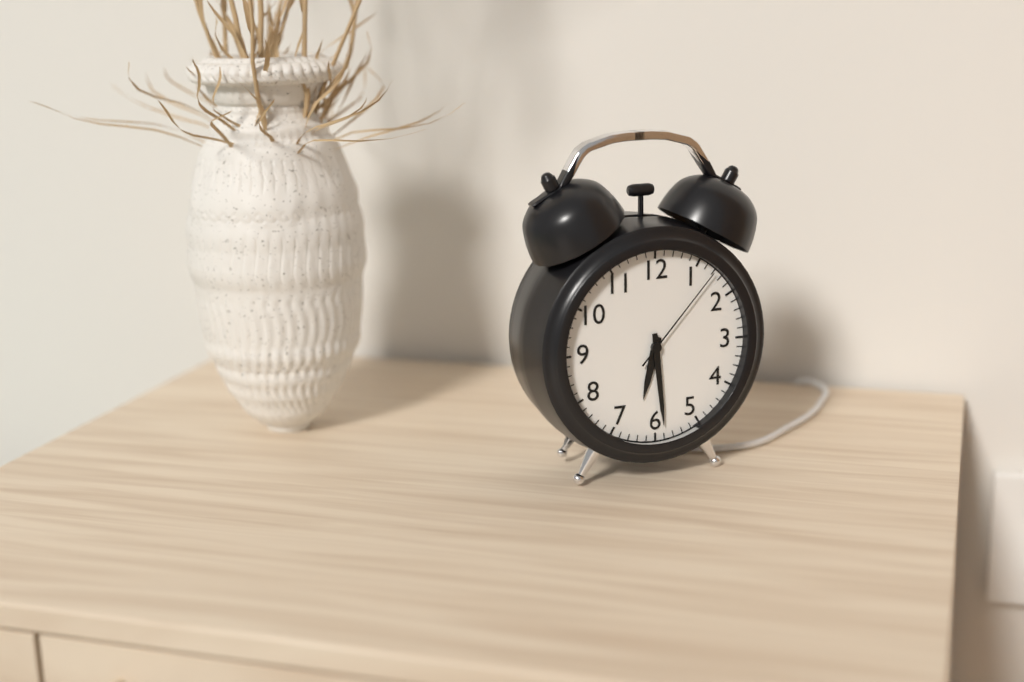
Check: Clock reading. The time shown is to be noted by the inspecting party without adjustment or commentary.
6:29:07
